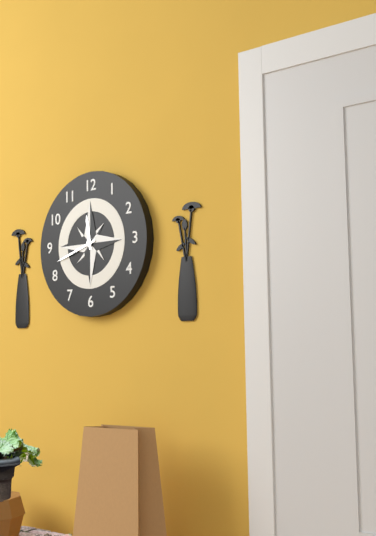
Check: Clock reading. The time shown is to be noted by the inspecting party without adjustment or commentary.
11:42
